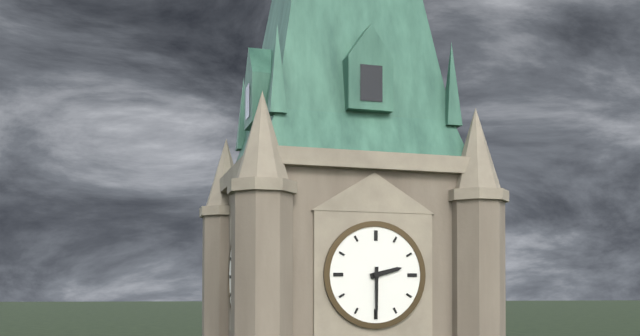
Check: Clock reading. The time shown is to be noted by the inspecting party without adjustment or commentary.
2:30
